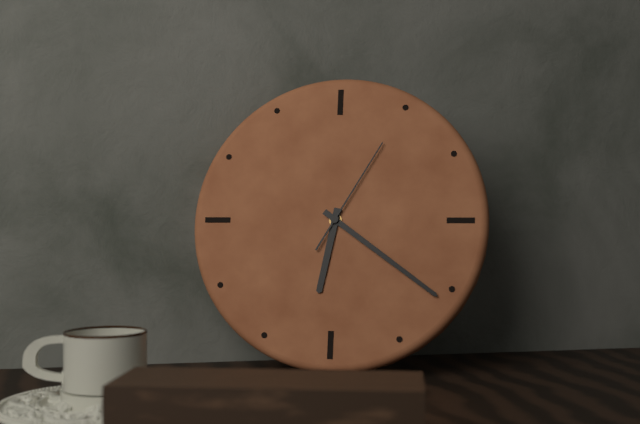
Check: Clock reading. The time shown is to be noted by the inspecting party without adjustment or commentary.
6:21:05
